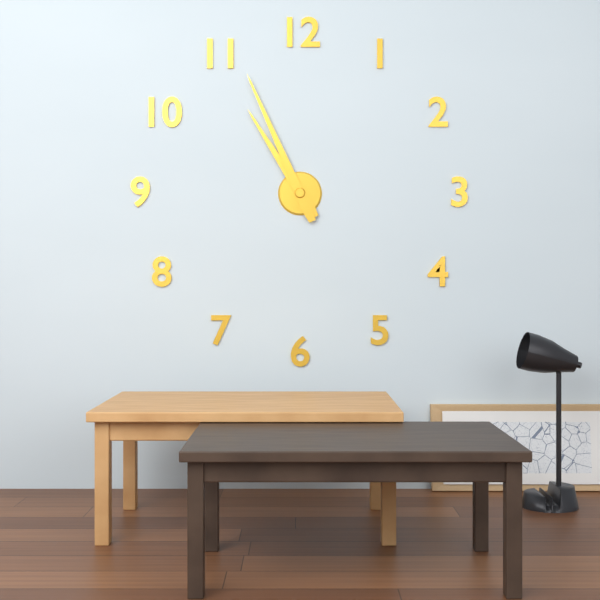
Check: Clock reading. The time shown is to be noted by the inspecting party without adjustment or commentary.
10:56
